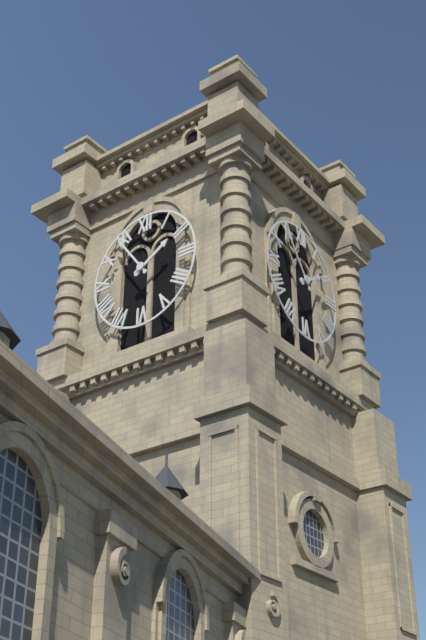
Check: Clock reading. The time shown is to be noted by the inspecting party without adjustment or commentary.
1:54
